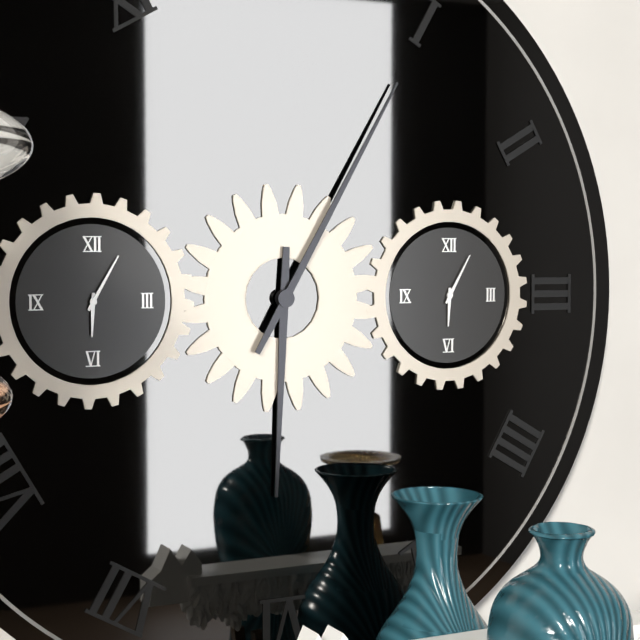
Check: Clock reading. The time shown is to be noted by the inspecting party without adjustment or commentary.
6:05
